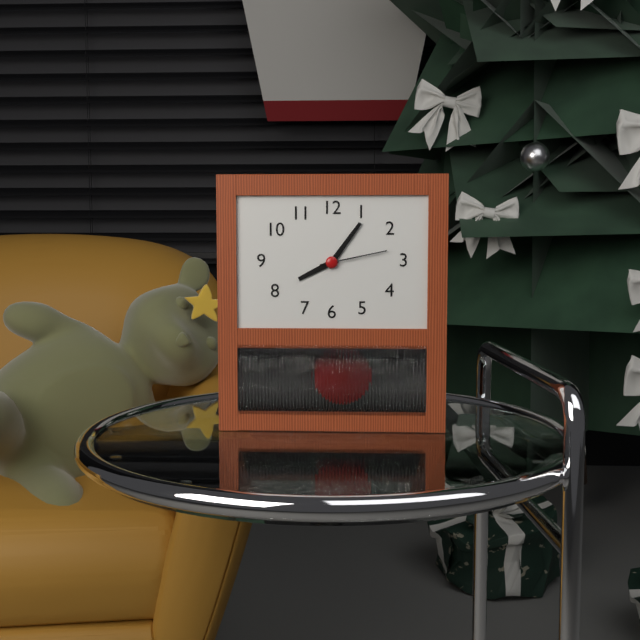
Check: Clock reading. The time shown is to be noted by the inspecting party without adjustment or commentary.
8:06:13
